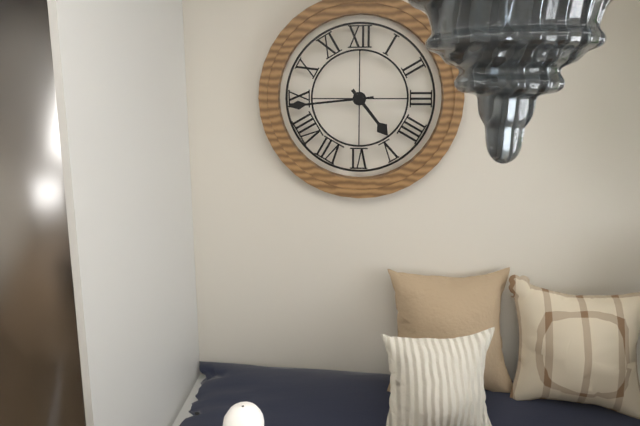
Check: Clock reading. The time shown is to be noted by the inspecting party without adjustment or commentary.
4:44
